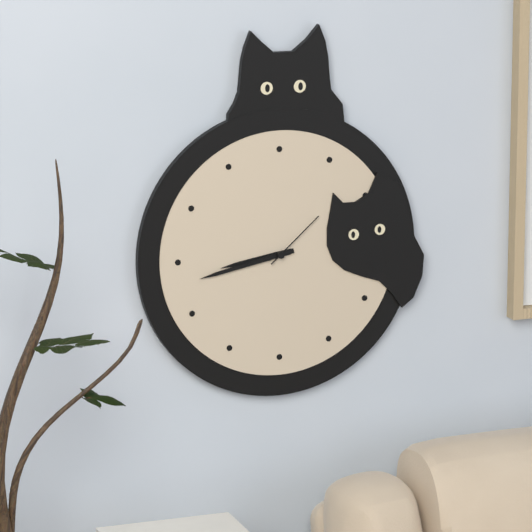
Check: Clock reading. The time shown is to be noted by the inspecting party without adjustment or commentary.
8:43:08
